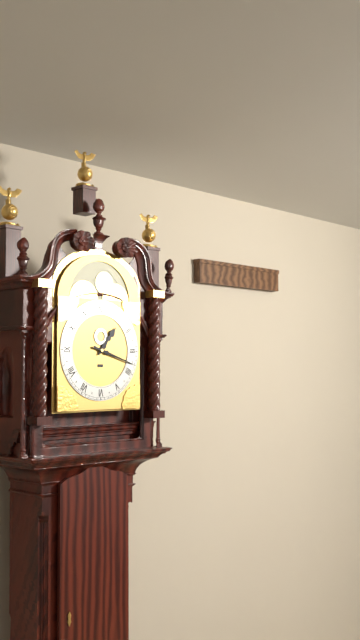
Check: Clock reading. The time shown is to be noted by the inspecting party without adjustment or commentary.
1:18
